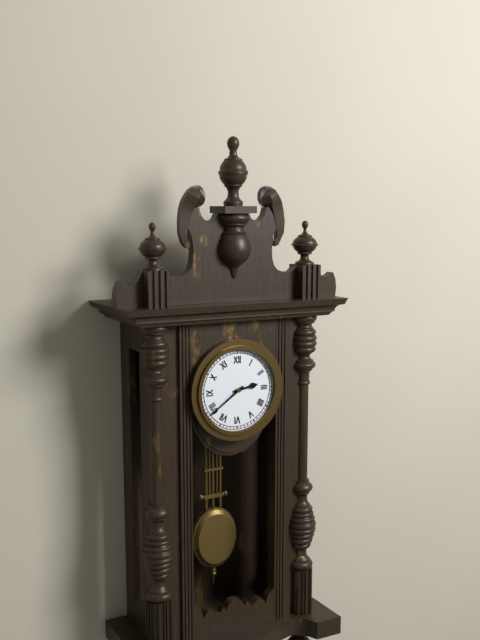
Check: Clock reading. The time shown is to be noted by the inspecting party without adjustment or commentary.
2:39
